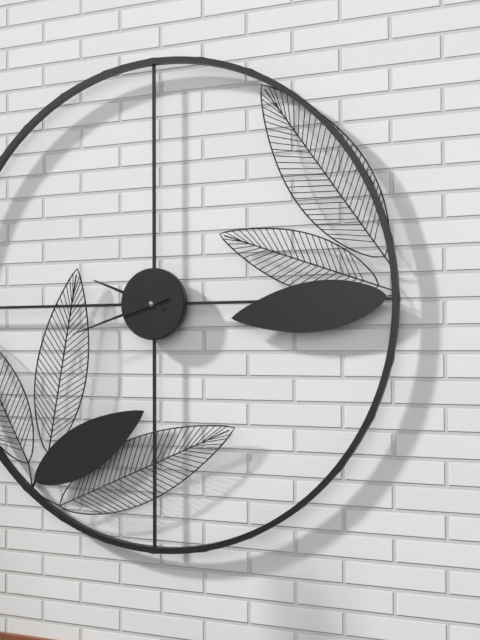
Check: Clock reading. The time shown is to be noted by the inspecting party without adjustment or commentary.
9:42
